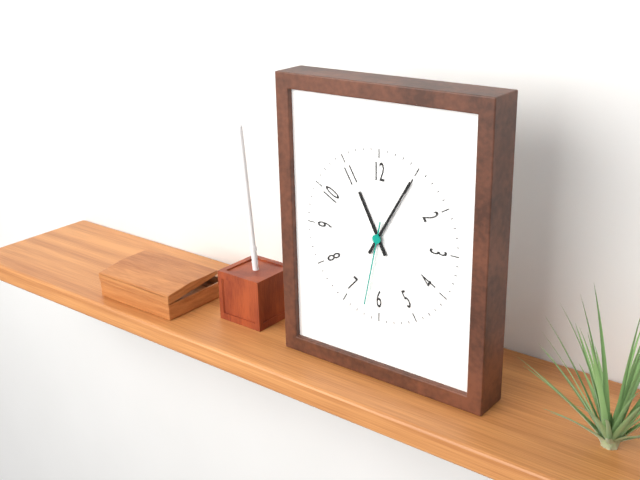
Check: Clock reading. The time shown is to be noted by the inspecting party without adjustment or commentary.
11:05:32
